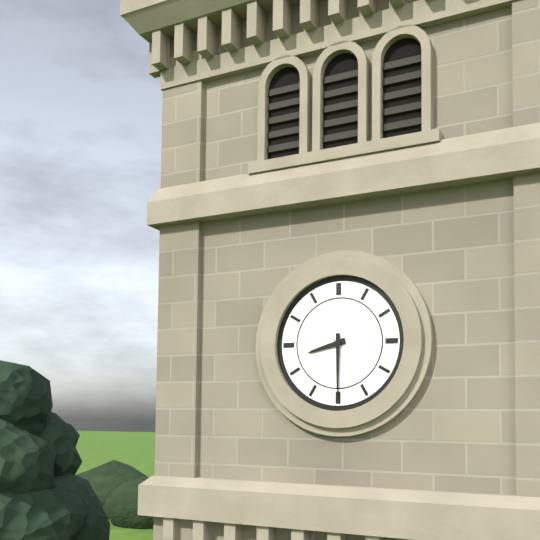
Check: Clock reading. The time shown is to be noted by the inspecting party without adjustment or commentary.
8:30
